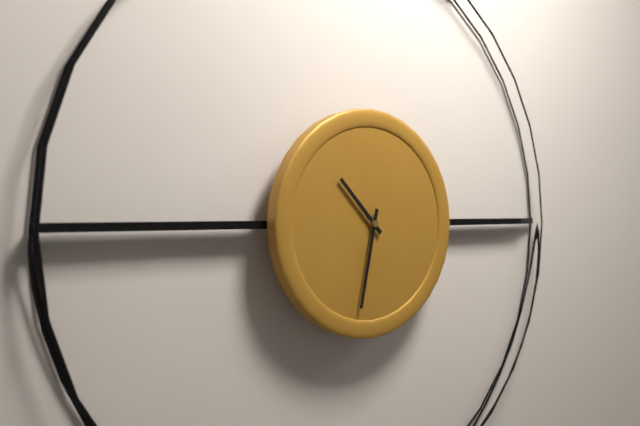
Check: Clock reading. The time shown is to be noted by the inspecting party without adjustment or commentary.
10:32
